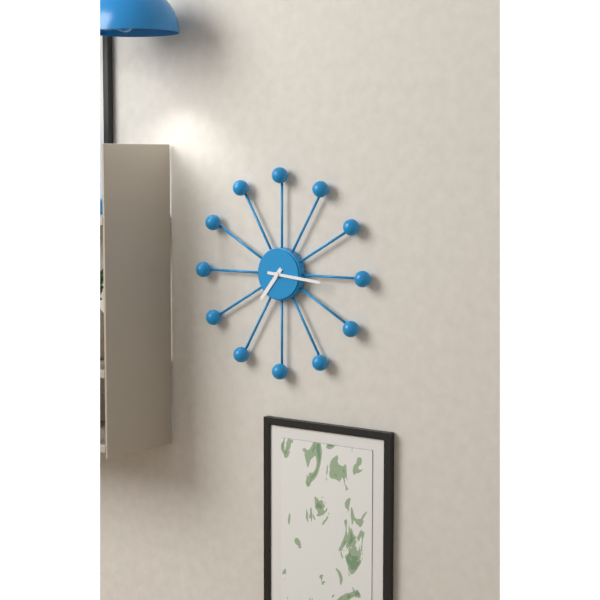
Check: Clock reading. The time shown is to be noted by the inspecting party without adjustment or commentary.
7:16
